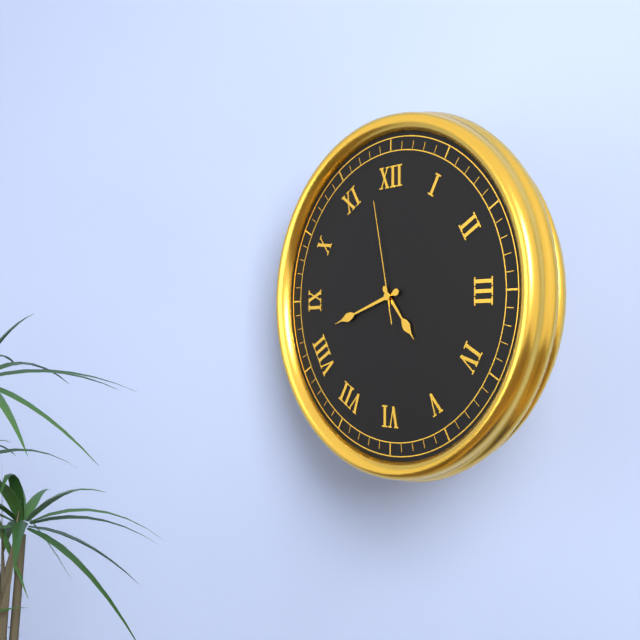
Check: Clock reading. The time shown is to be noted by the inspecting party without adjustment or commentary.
4:42:58
